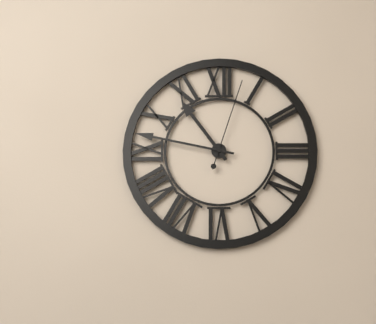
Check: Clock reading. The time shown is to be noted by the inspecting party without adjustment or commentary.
10:47:03
